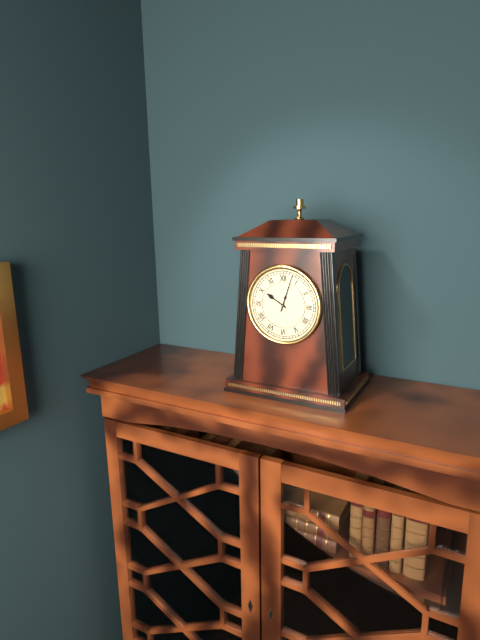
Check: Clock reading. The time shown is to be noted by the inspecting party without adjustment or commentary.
10:03
